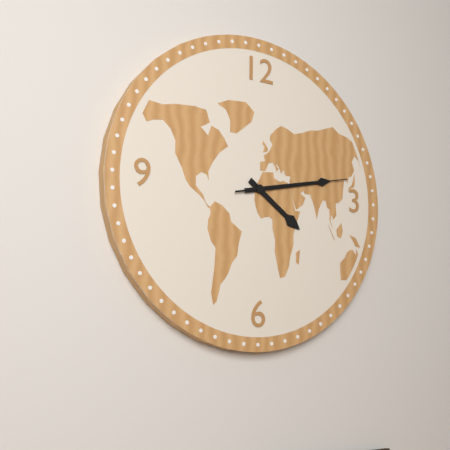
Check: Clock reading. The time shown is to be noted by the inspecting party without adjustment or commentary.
4:13:13
